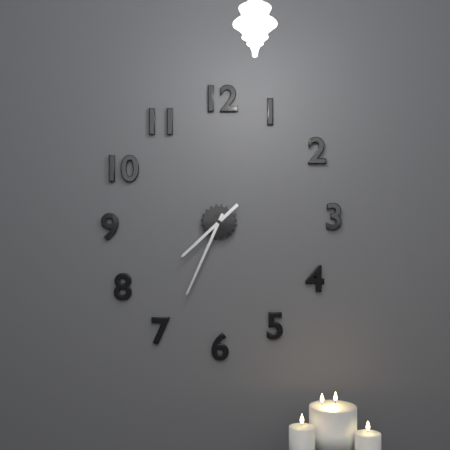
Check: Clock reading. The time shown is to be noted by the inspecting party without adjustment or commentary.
7:34
